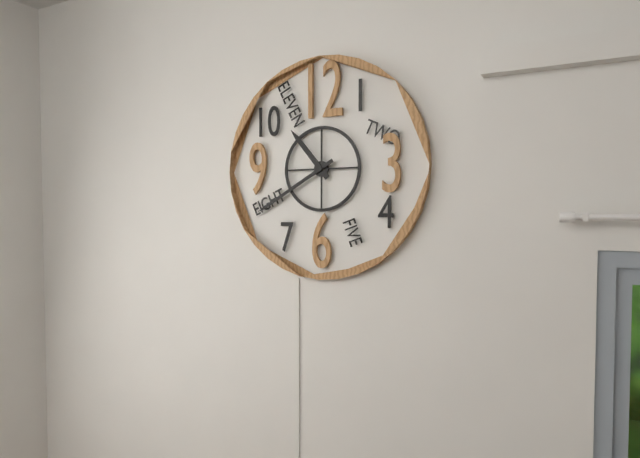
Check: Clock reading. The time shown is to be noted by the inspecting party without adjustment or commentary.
10:40
